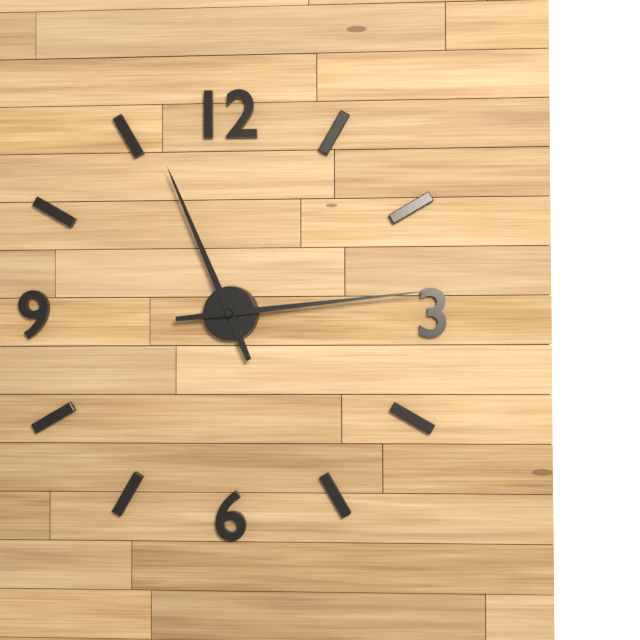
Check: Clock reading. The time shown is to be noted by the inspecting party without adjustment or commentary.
11:14
